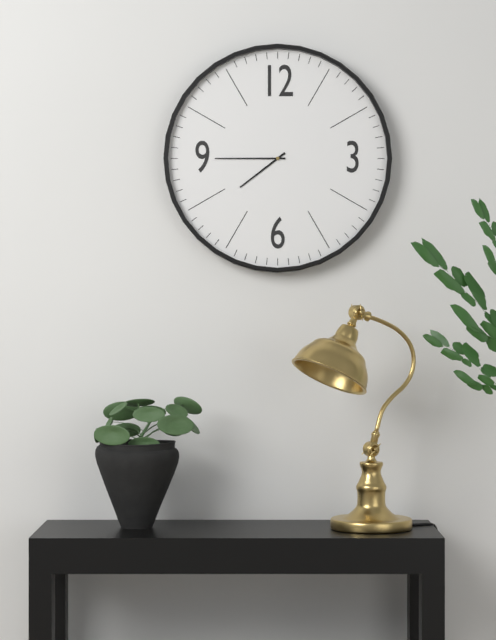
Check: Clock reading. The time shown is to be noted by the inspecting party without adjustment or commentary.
7:45
